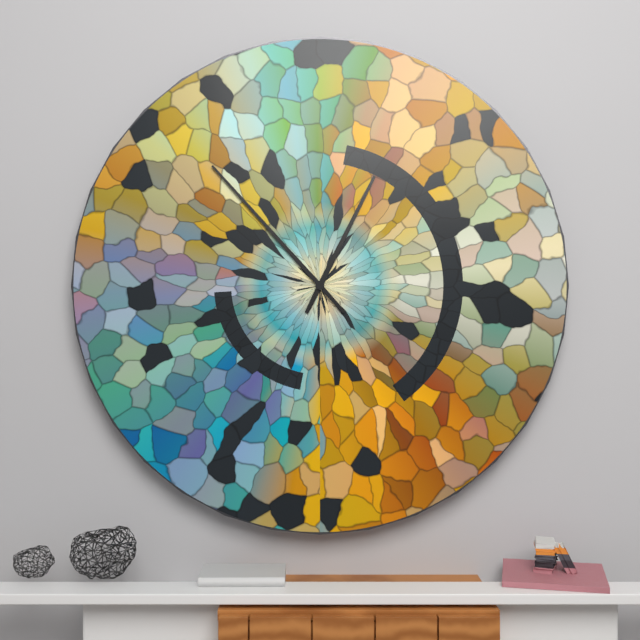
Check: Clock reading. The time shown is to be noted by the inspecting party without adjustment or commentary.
12:53
